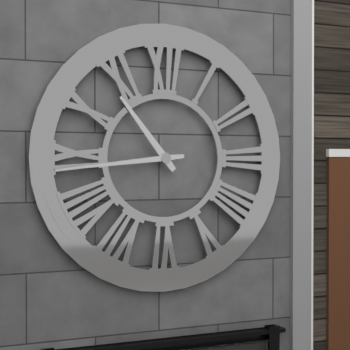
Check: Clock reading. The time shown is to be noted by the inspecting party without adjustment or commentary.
10:44
